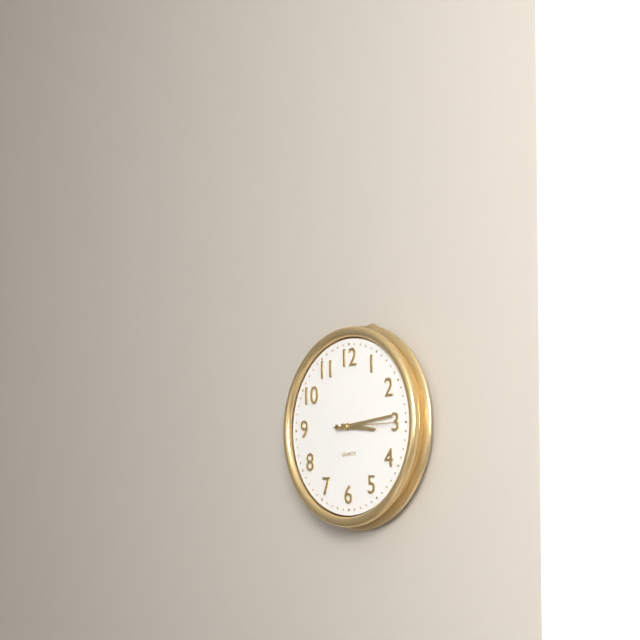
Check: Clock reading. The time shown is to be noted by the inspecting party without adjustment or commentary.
3:14:15
